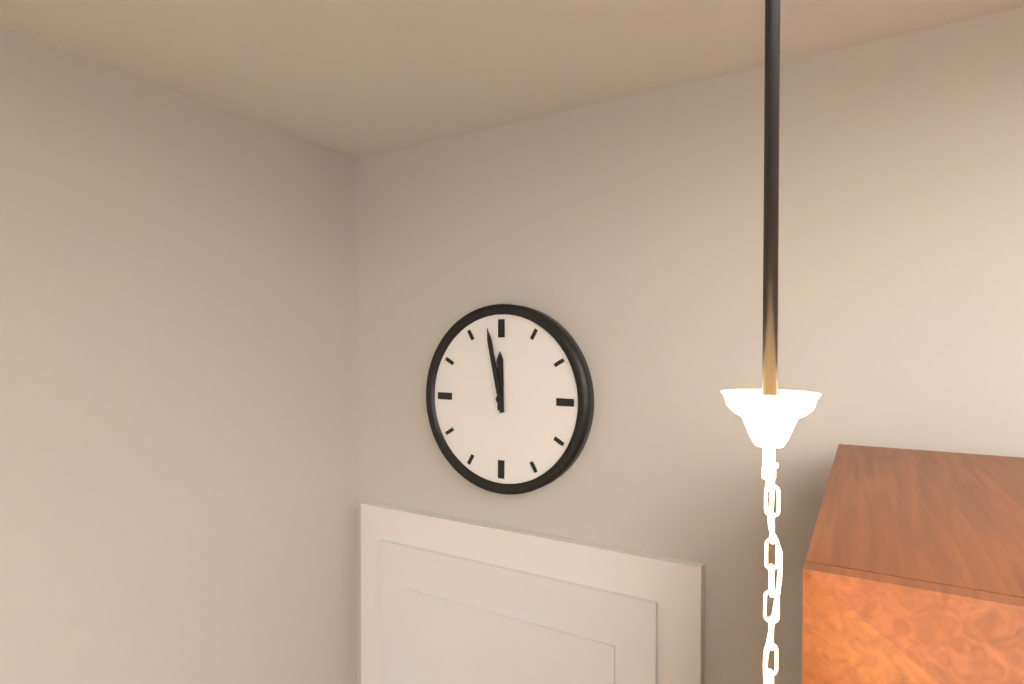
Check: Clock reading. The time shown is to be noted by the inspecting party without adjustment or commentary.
11:58
